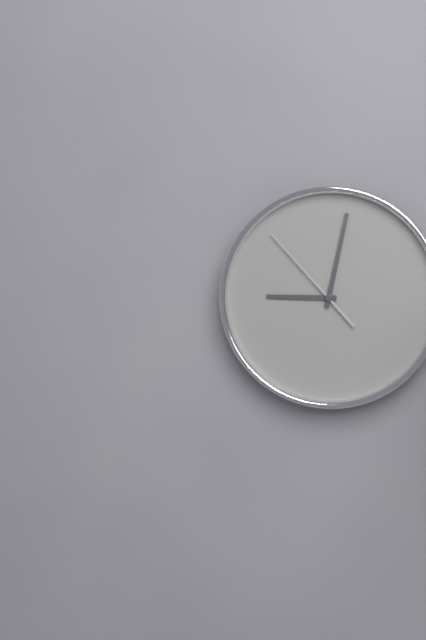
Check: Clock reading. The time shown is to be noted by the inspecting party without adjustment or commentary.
9:02:53
